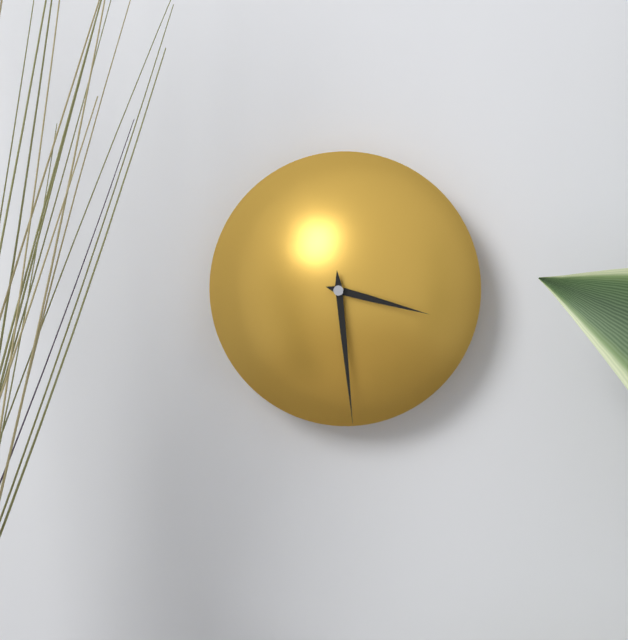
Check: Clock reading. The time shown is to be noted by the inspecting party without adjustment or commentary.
3:29
